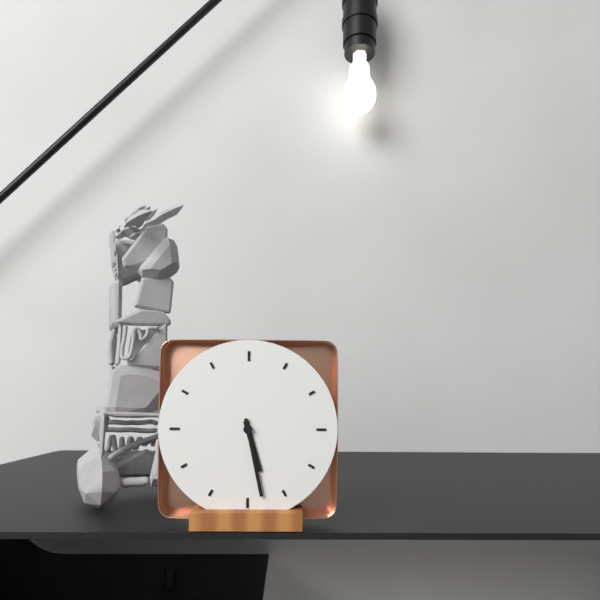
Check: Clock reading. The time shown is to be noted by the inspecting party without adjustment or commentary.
5:28
